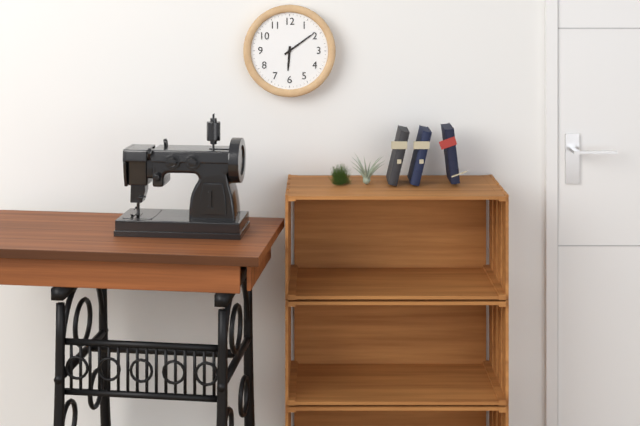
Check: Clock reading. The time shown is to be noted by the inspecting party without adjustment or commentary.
6:09
